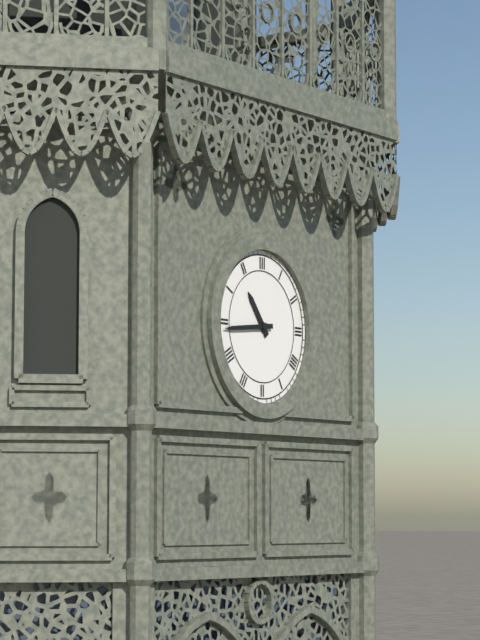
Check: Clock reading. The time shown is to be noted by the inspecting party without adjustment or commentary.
10:44
